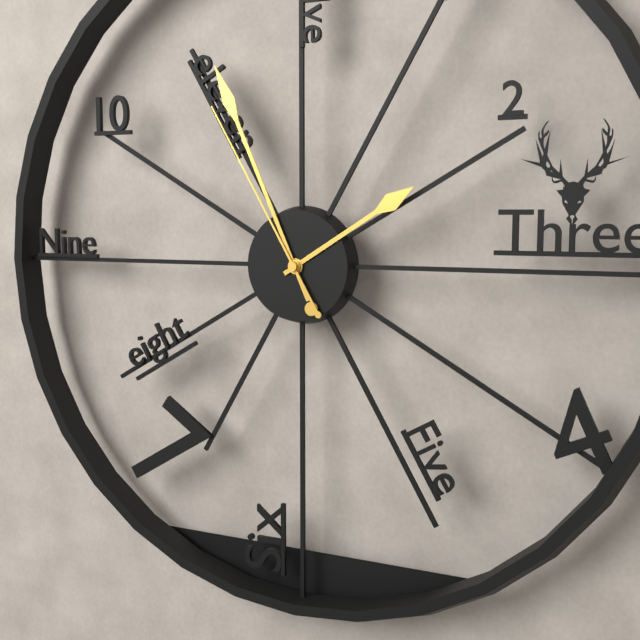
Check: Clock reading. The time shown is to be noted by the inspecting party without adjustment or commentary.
1:56:55
